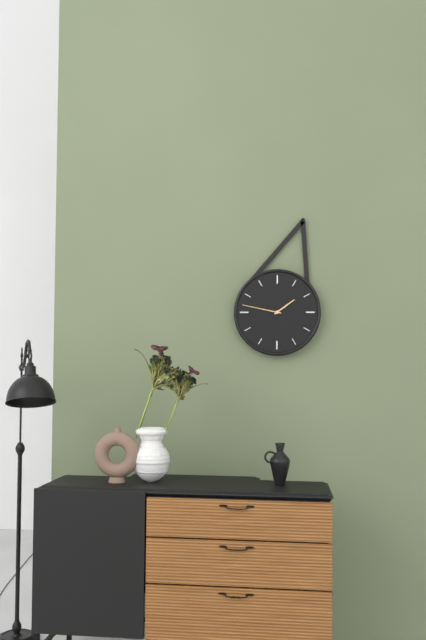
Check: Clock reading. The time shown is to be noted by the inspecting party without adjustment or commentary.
1:47
